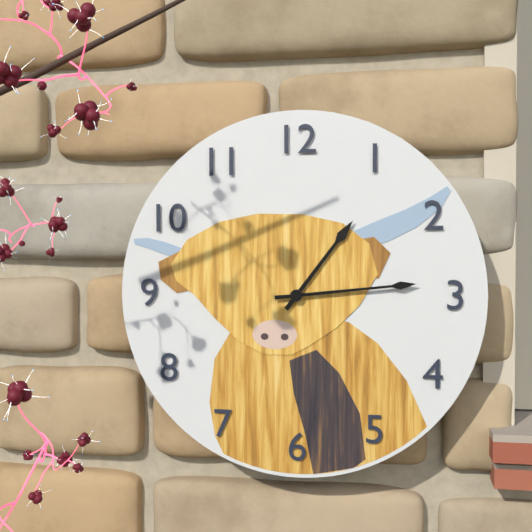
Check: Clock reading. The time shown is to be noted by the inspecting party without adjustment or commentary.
1:14
